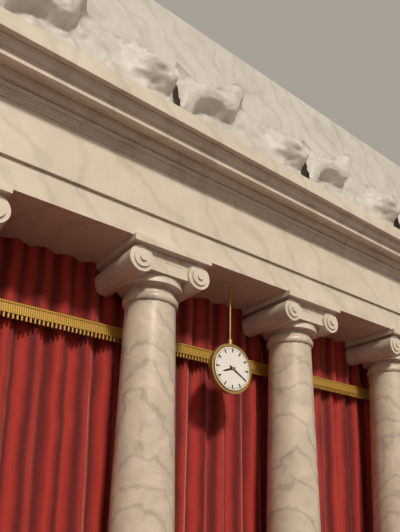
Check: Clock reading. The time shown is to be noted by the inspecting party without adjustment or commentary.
8:20
